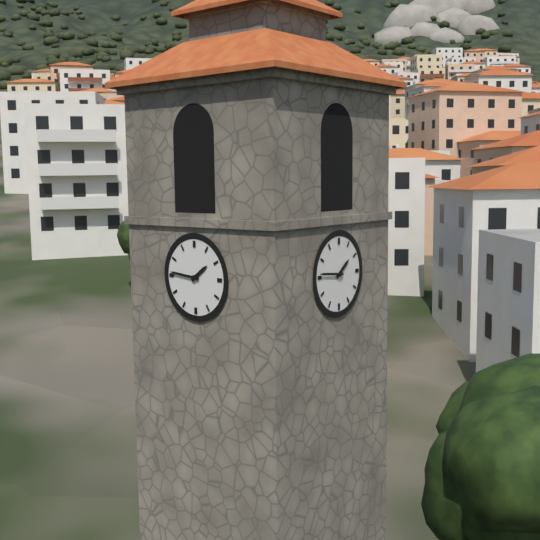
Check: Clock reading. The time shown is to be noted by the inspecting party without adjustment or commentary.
1:46
